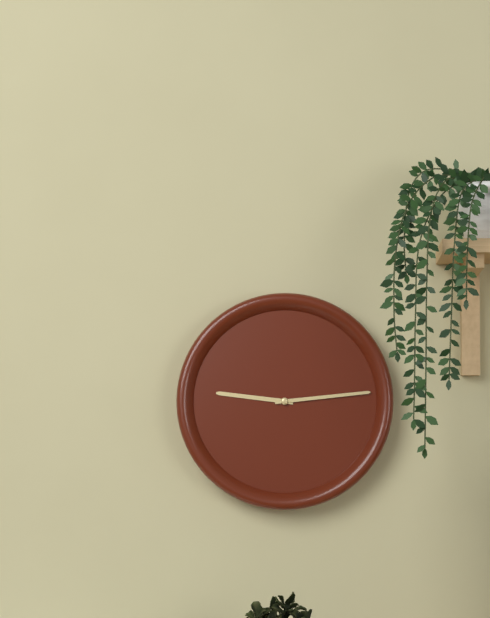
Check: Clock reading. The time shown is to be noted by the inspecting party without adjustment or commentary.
9:14
